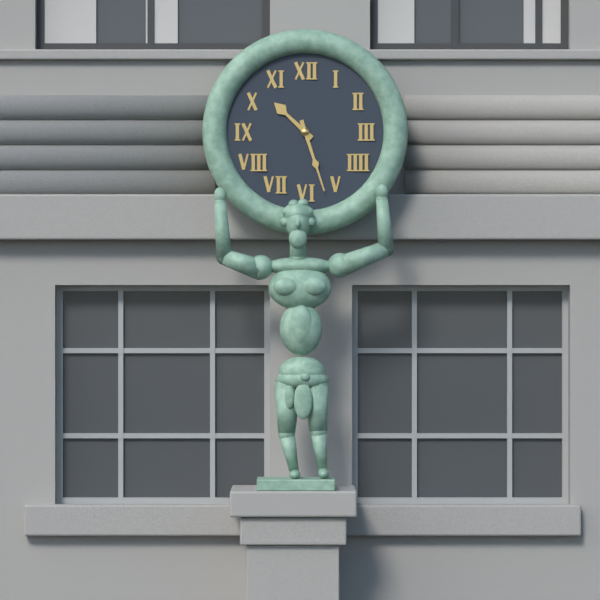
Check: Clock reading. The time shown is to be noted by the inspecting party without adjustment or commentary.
10:27
